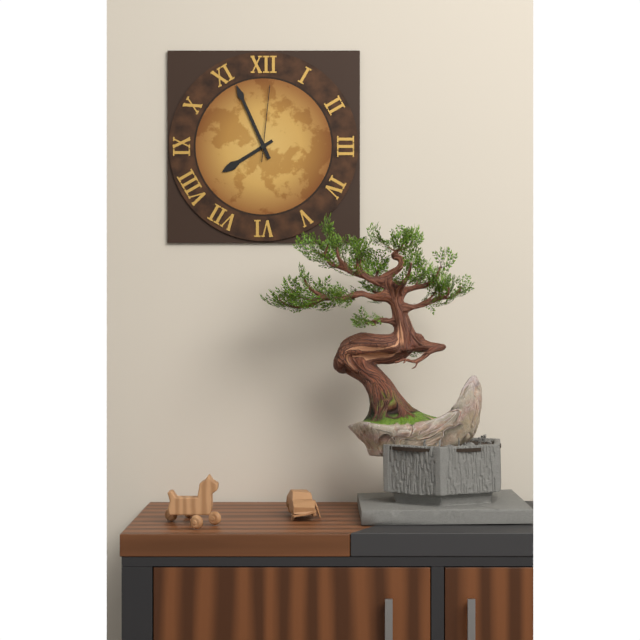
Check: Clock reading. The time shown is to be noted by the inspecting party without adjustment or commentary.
7:56:01
